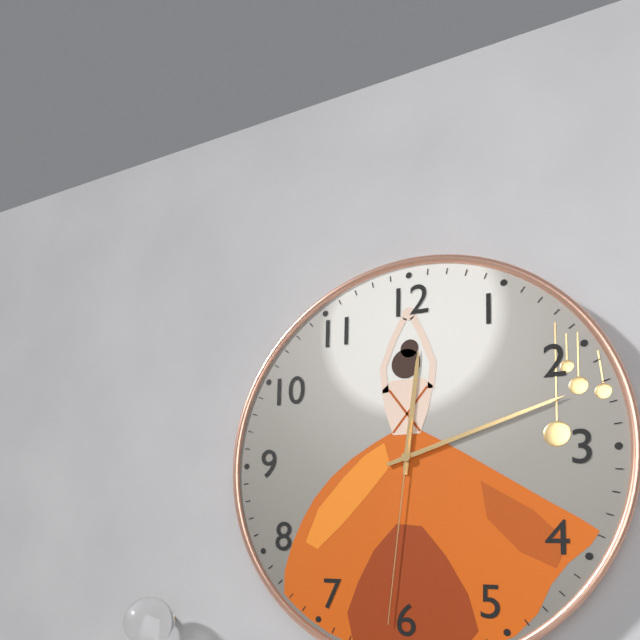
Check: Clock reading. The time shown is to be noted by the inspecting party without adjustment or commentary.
12:12:31
